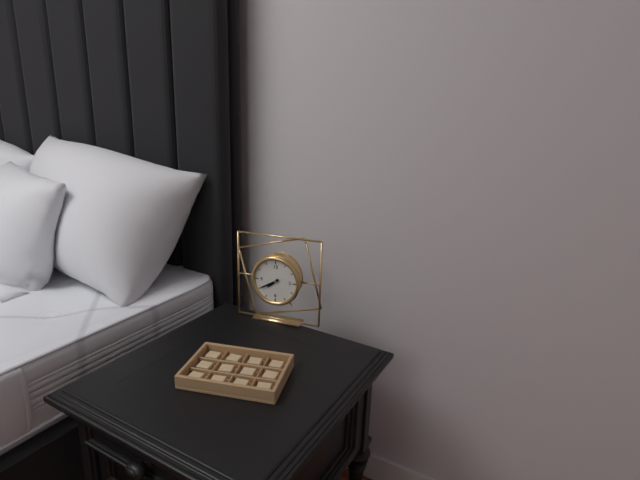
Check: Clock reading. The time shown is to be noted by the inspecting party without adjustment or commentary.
7:40
